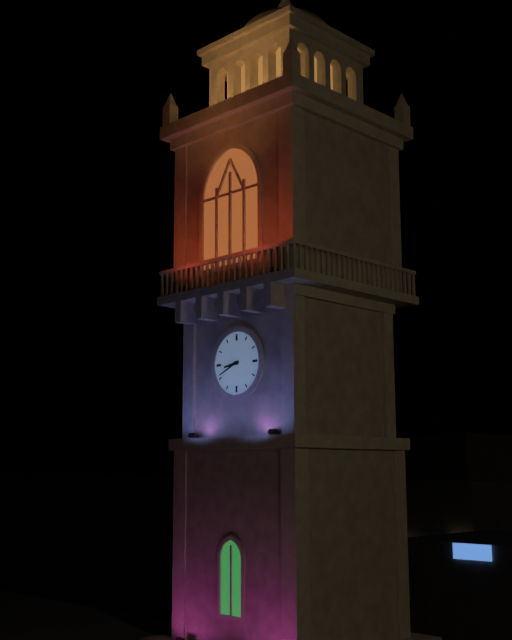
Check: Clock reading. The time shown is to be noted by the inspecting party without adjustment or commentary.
8:41
